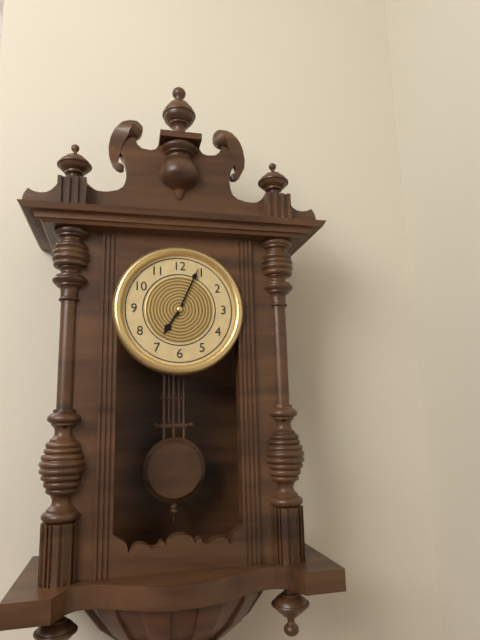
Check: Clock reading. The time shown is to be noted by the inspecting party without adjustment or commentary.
7:04
